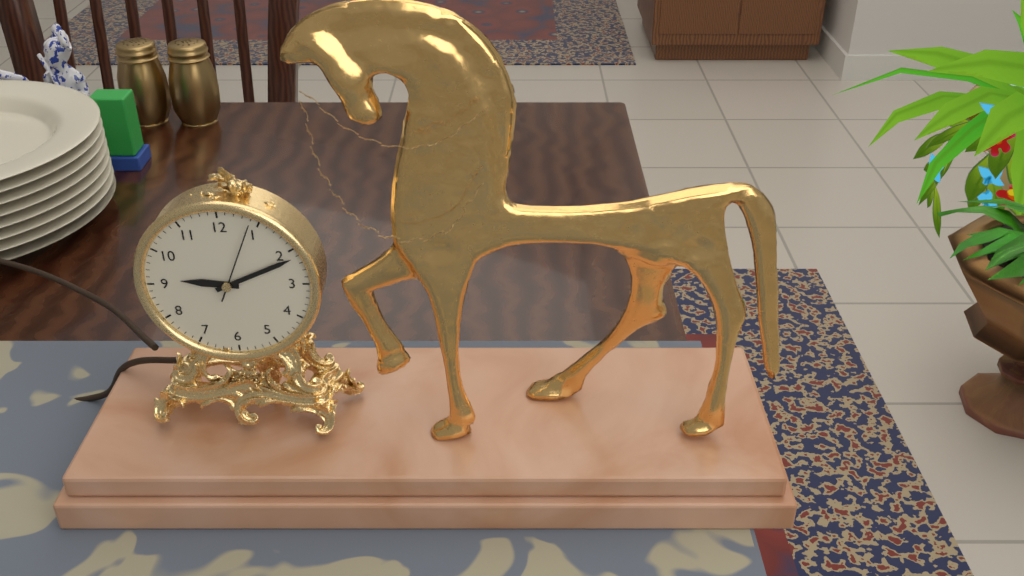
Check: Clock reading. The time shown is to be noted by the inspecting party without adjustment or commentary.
9:11:04
